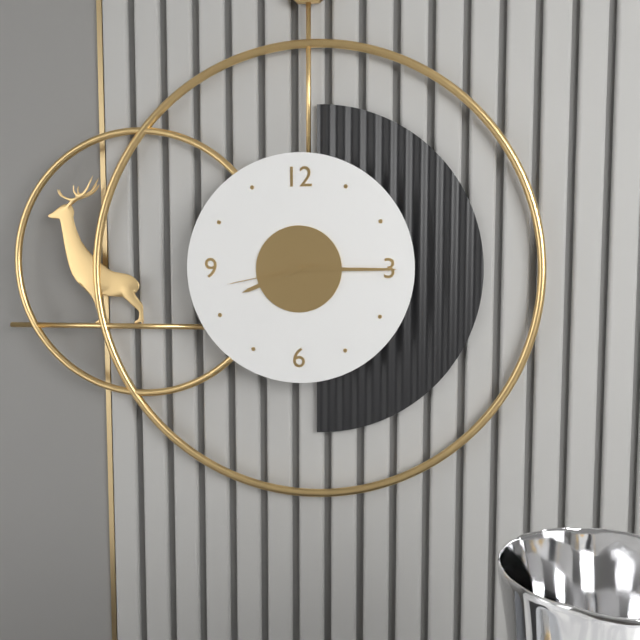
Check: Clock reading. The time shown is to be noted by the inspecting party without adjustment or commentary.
8:15:43
